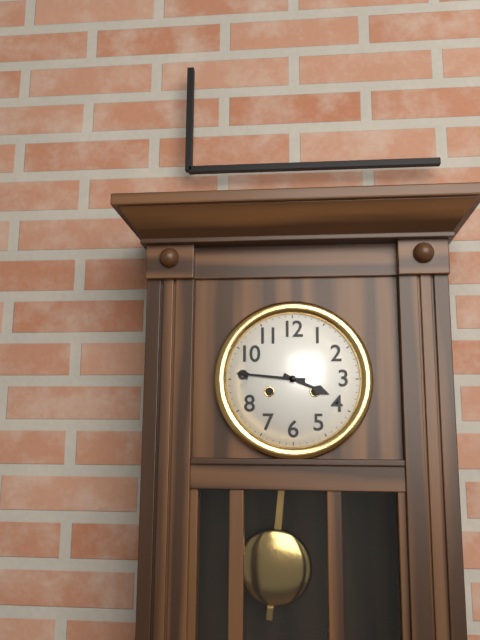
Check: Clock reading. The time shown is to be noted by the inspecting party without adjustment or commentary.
3:46
